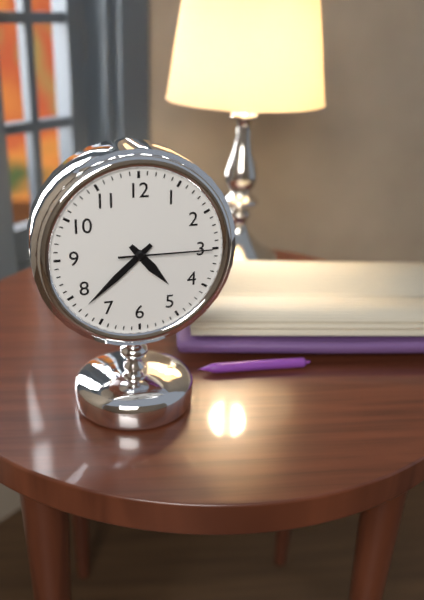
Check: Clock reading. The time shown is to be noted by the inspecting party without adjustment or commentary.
4:38:15
